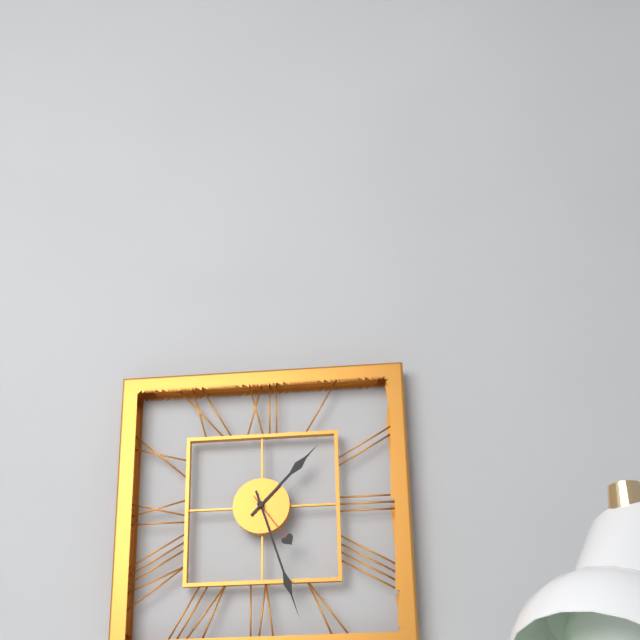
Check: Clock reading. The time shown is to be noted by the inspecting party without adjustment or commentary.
1:27:24
